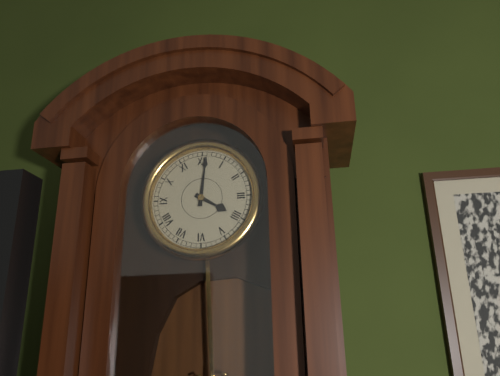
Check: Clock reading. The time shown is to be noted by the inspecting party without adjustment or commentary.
4:01
